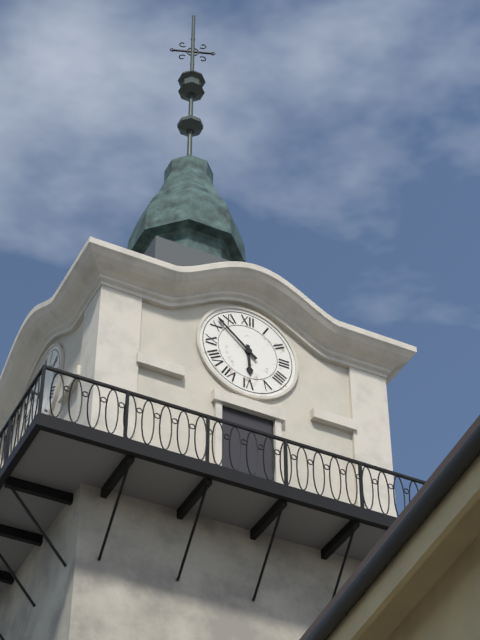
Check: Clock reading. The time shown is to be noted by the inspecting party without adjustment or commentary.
5:52
